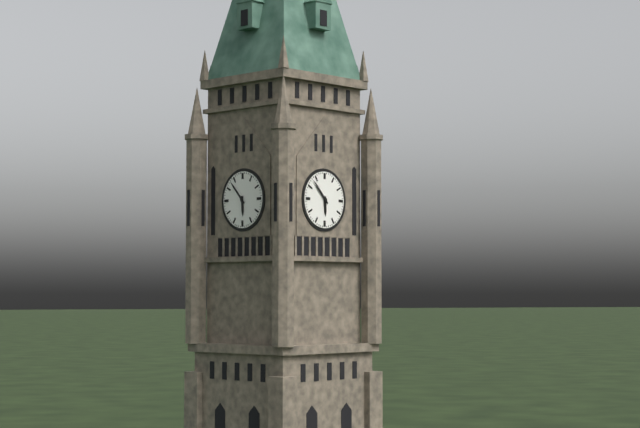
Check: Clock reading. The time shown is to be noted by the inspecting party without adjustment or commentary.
5:53
